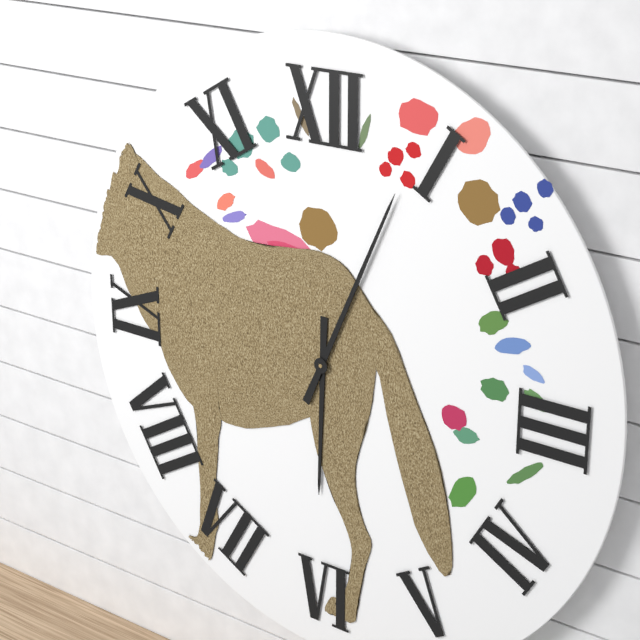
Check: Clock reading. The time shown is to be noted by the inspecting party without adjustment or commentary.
6:04
